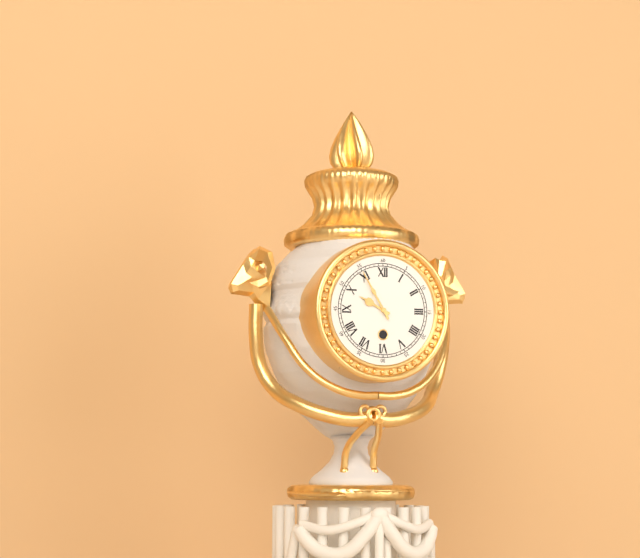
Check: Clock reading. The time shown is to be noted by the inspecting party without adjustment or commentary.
9:55
